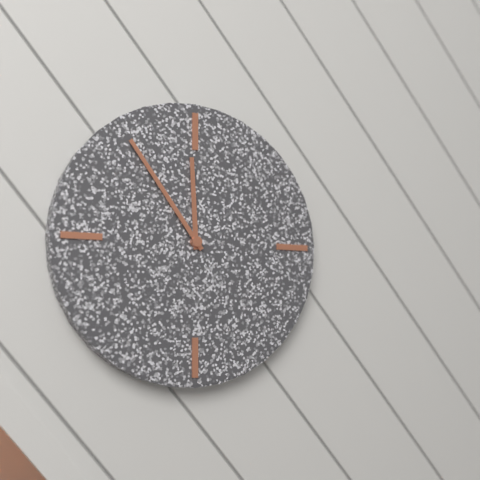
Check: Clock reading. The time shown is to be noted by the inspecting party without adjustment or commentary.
11:54
